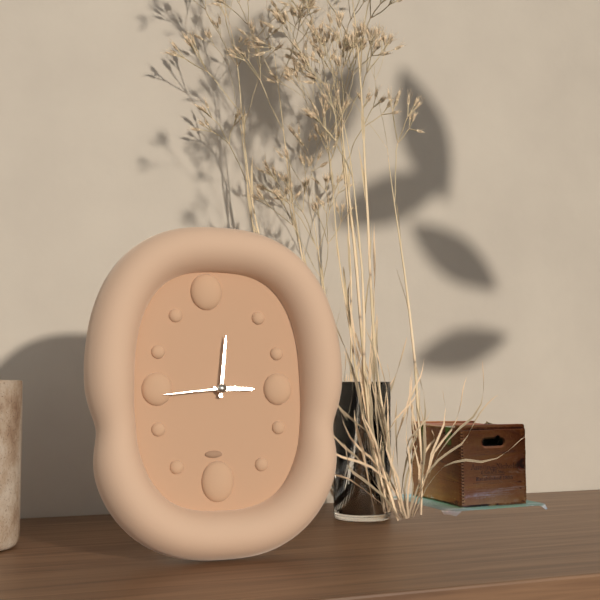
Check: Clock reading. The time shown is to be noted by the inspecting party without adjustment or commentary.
3:01:44
